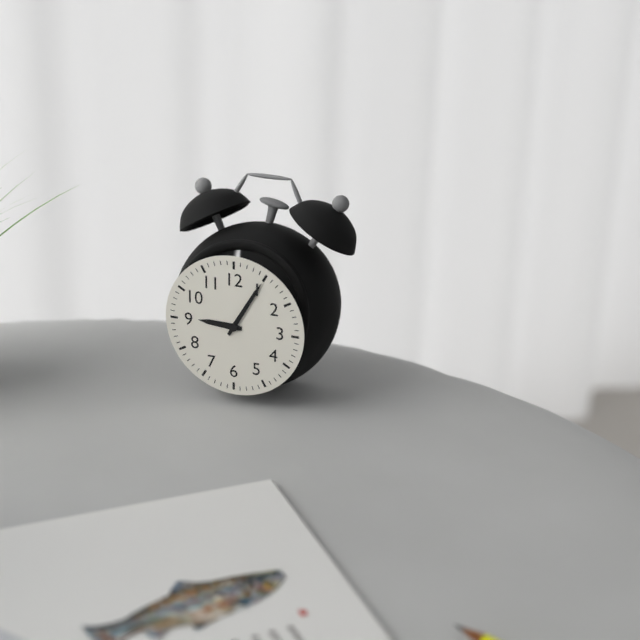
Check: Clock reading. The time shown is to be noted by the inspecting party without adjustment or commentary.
9:05
